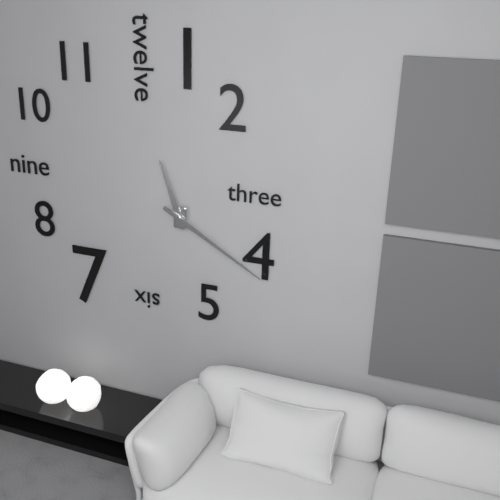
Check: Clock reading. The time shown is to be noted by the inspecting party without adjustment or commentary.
11:20
